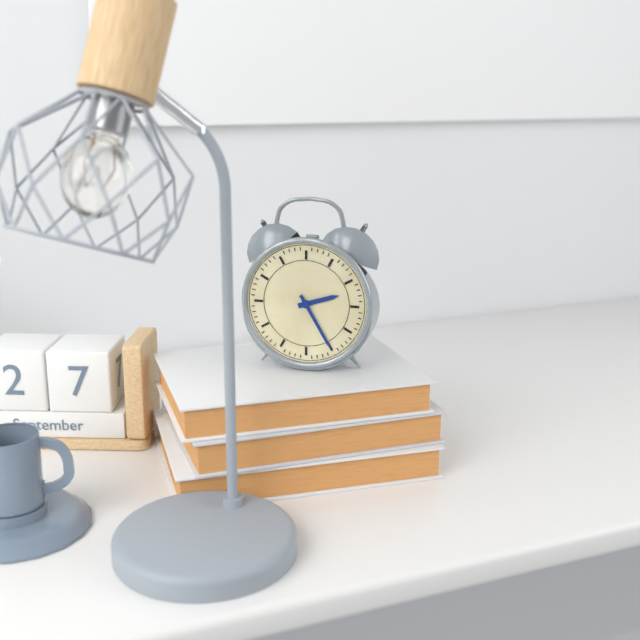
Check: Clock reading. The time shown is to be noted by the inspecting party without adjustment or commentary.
2:25
